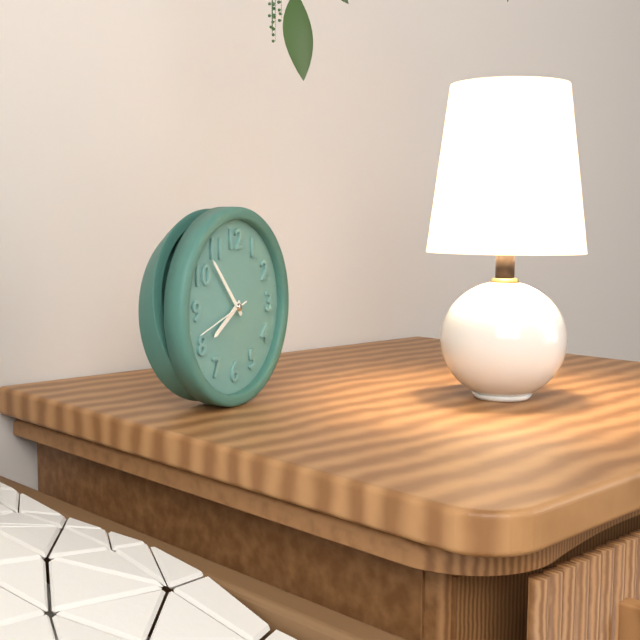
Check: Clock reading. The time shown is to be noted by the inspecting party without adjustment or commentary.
7:53:42
